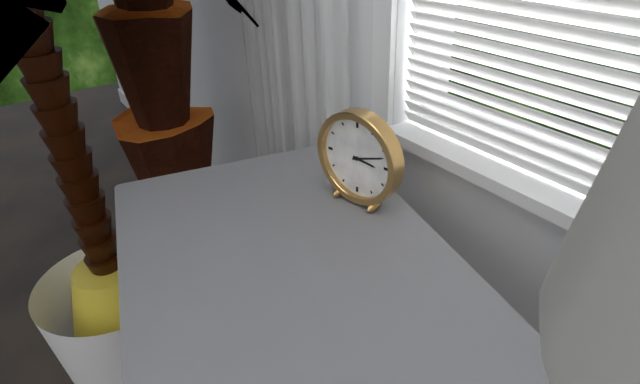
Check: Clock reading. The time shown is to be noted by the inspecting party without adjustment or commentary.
3:12
